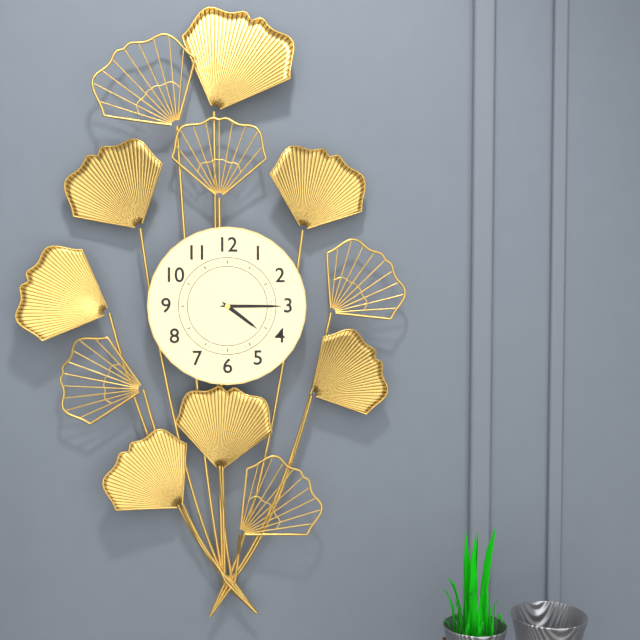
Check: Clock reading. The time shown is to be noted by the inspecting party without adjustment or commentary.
4:15
